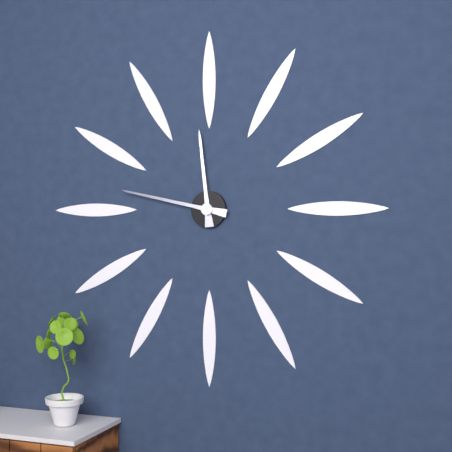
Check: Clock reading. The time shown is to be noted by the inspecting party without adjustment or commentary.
11:47
